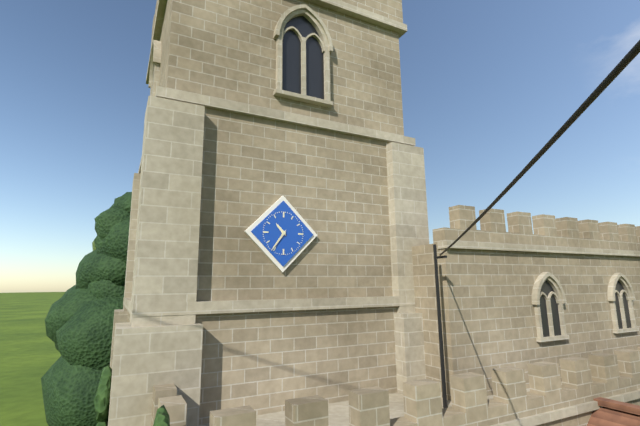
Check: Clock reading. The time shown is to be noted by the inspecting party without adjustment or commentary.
10:36
